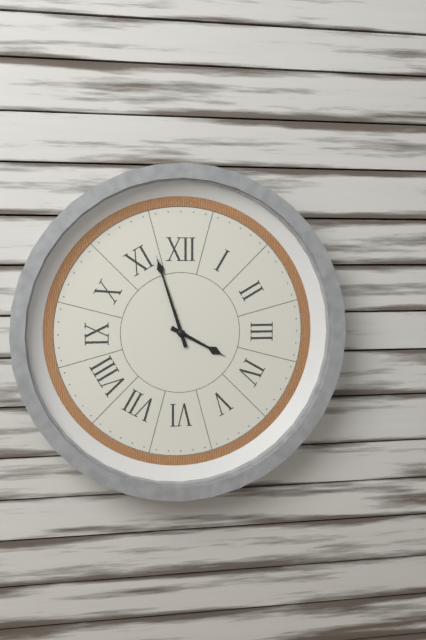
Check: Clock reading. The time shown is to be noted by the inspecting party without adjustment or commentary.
3:57
